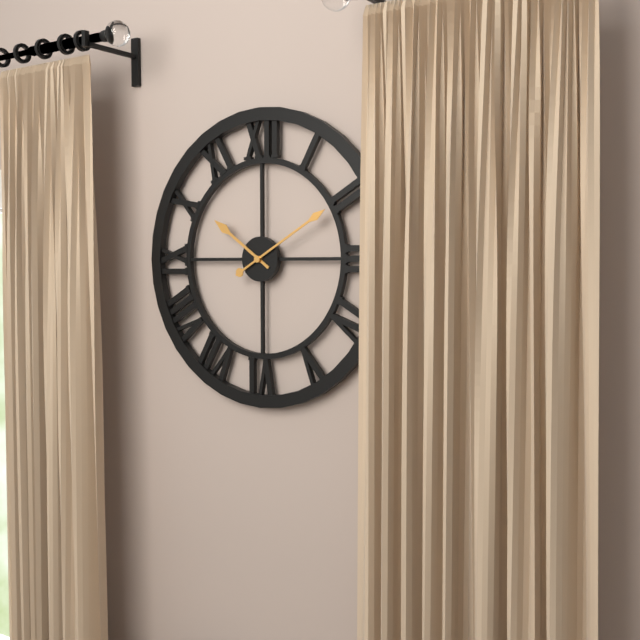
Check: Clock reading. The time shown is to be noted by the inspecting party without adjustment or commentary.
10:10
